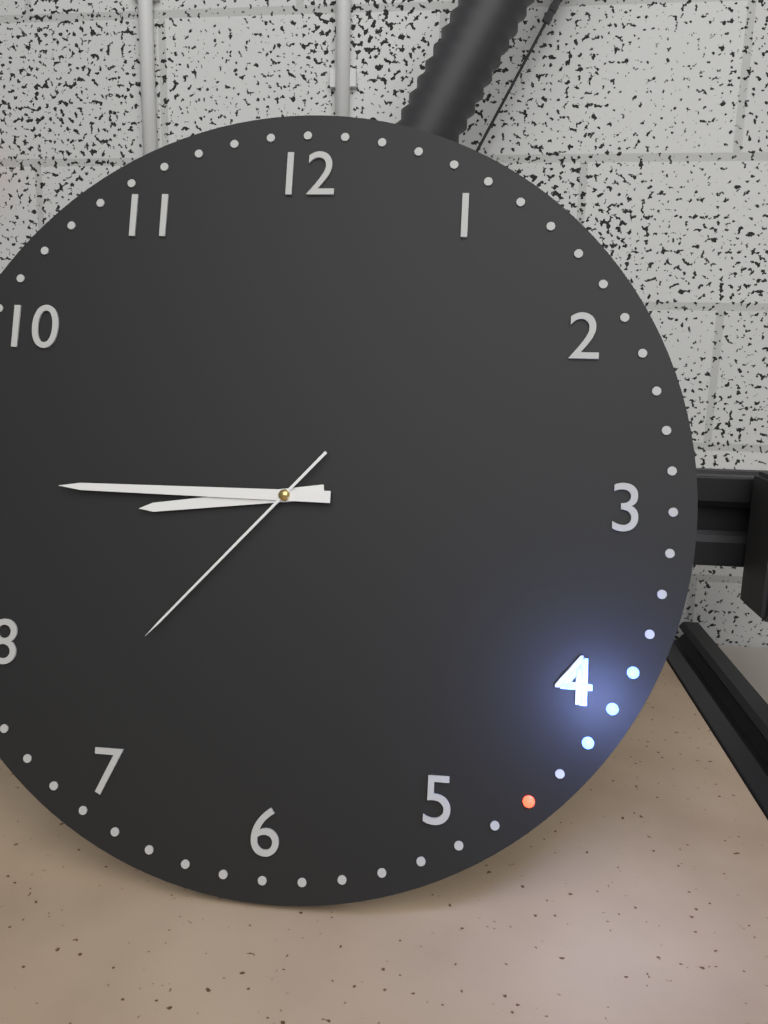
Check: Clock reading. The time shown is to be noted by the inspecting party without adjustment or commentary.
8:45:37
